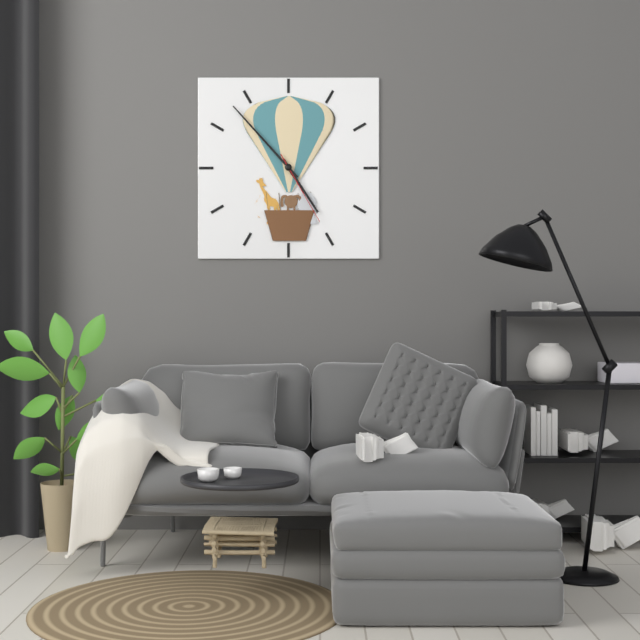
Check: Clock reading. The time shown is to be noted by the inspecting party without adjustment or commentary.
4:53:25
